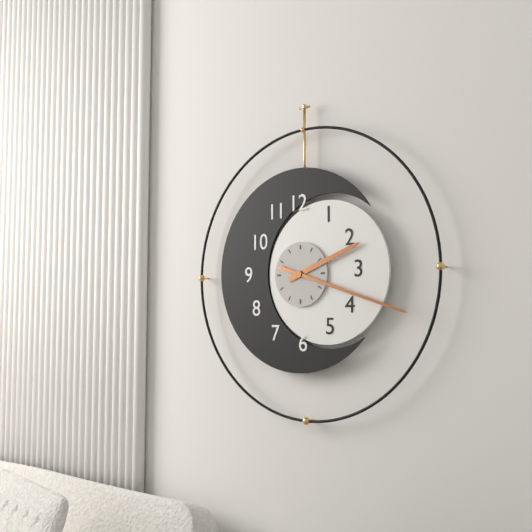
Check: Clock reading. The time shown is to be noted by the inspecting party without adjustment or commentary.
2:18
